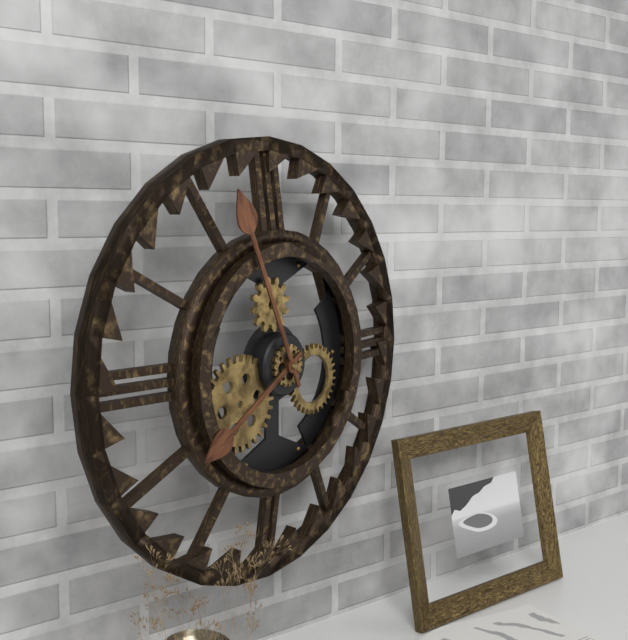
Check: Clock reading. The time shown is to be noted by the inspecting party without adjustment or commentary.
7:56
